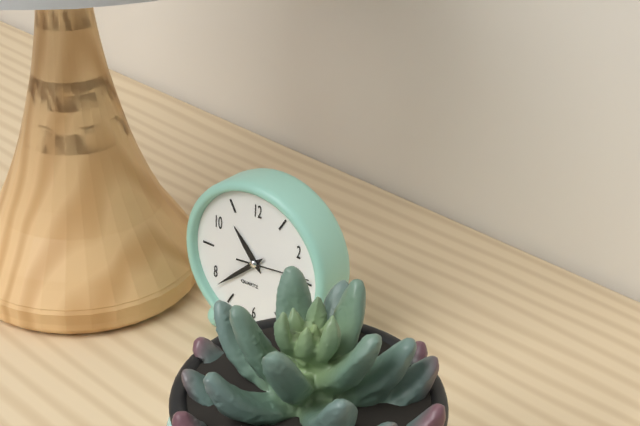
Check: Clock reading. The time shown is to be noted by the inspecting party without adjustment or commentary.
10:38
